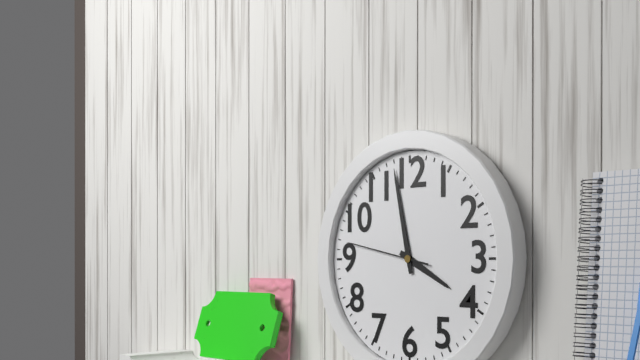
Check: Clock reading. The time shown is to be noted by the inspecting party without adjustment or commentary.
3:58:47
